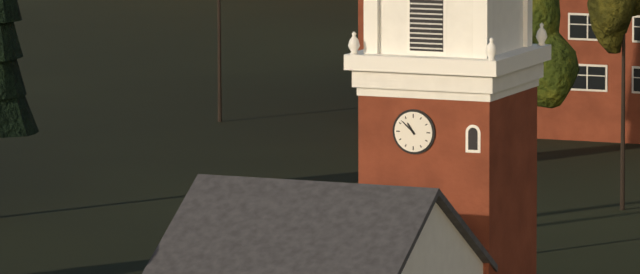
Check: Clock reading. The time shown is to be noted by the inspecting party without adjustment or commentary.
10:52
